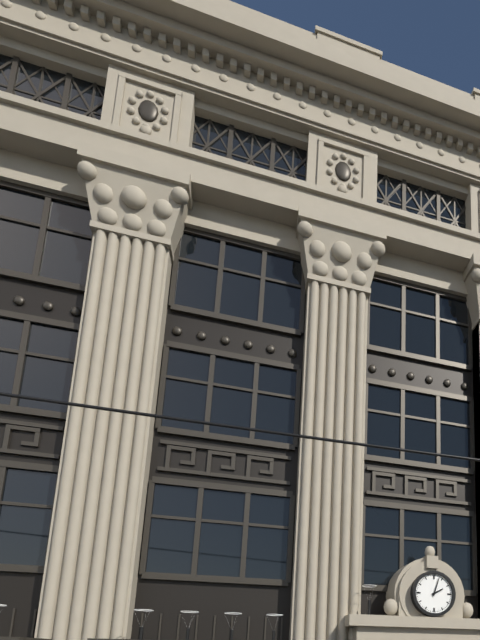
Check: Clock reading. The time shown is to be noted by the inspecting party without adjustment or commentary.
2:03
